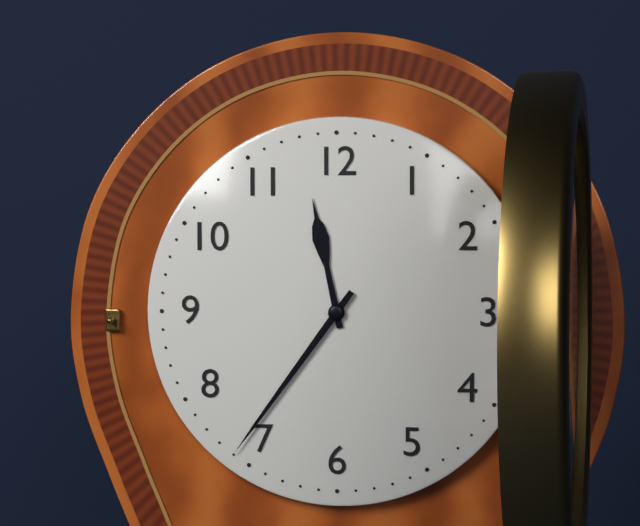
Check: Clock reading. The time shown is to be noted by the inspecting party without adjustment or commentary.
11:36
